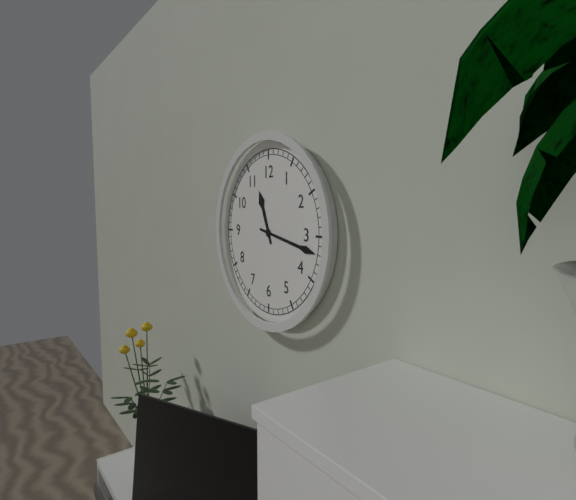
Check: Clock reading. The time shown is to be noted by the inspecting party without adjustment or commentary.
11:17
